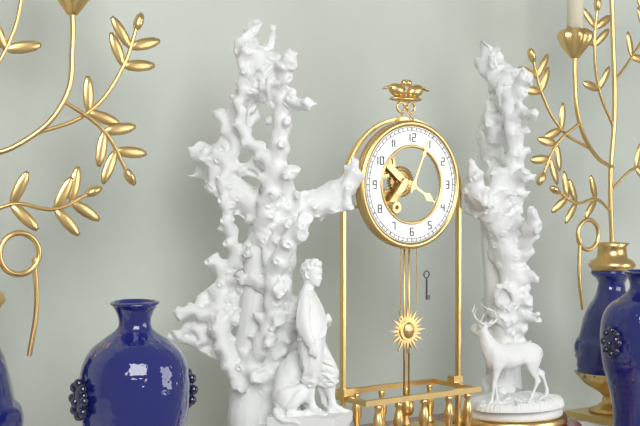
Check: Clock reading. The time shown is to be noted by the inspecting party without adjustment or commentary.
4:04
